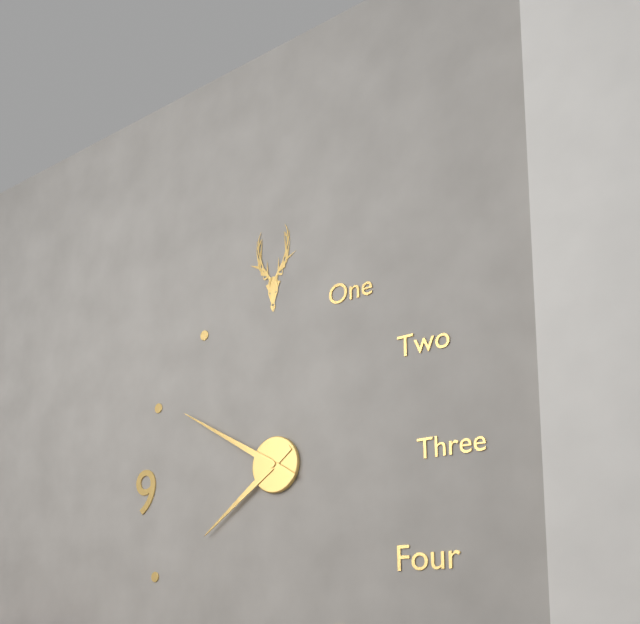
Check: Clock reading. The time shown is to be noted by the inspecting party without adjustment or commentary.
7:50
